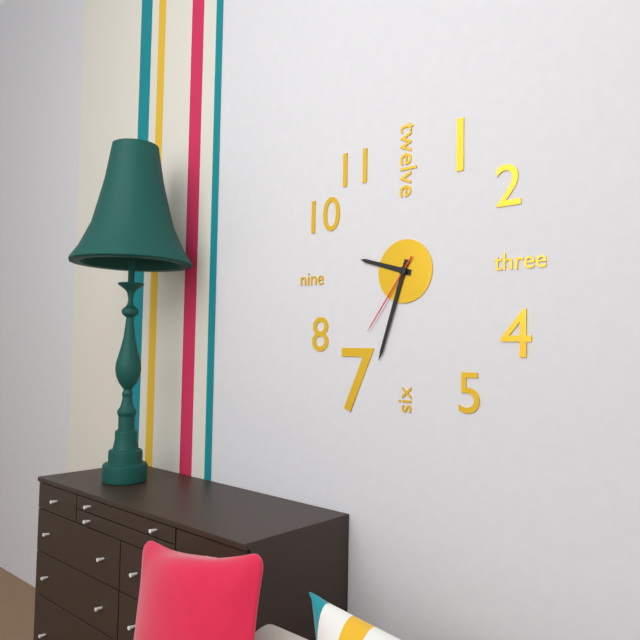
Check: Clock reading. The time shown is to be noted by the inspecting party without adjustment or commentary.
9:33:36
